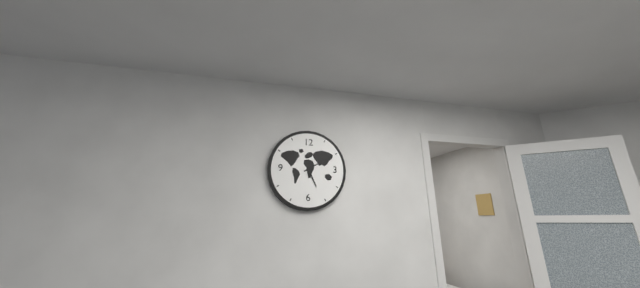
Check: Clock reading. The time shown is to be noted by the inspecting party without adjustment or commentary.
5:10
